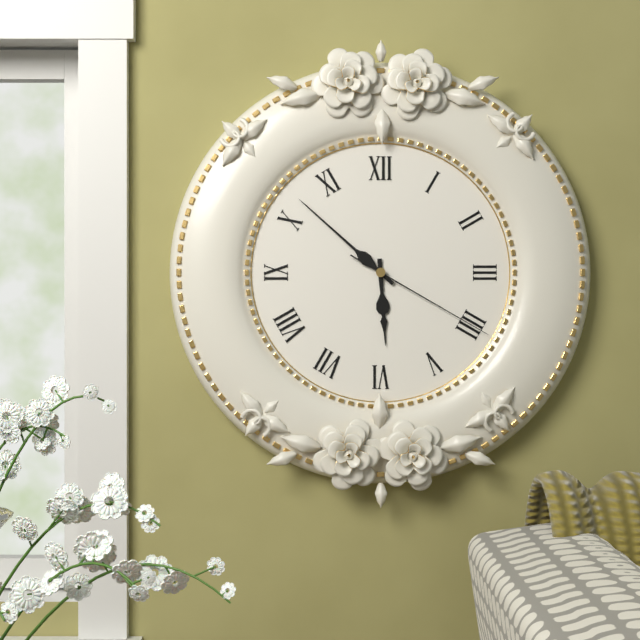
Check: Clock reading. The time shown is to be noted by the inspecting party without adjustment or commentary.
5:52:20
